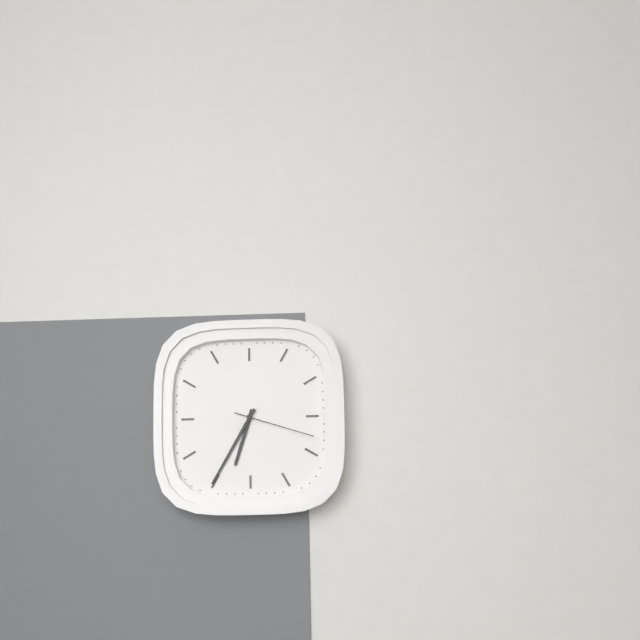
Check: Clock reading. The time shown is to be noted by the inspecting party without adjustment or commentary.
6:35:18
